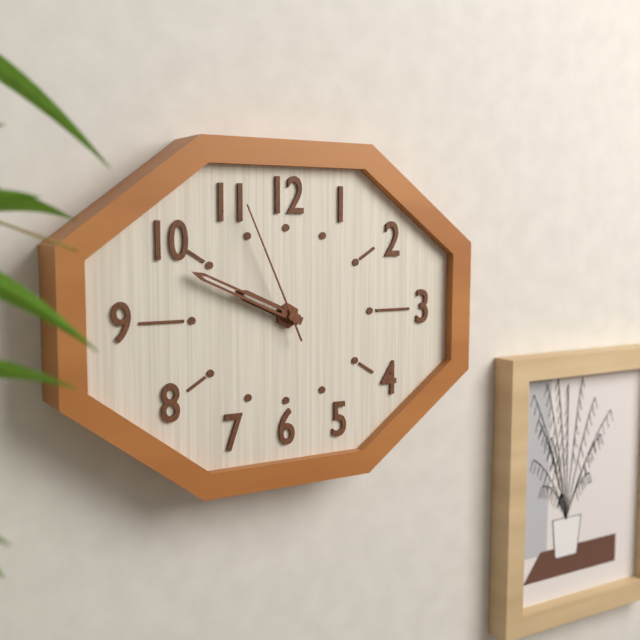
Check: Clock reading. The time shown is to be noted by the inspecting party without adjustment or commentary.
9:49:56
